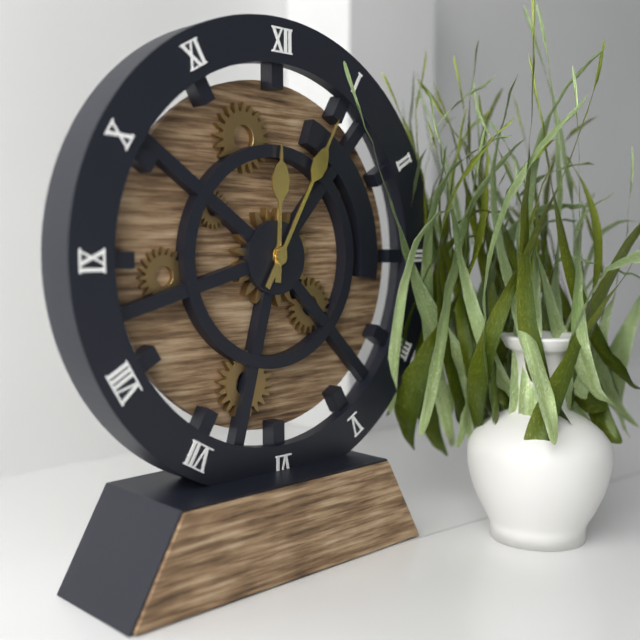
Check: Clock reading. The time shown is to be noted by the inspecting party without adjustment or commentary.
12:05
